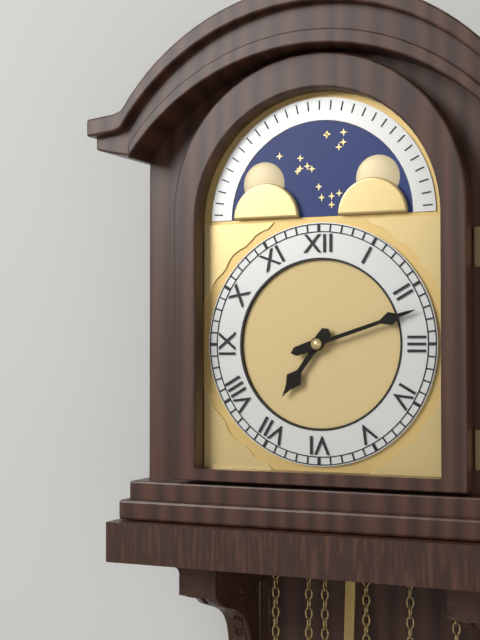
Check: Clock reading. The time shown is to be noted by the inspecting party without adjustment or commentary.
7:12
